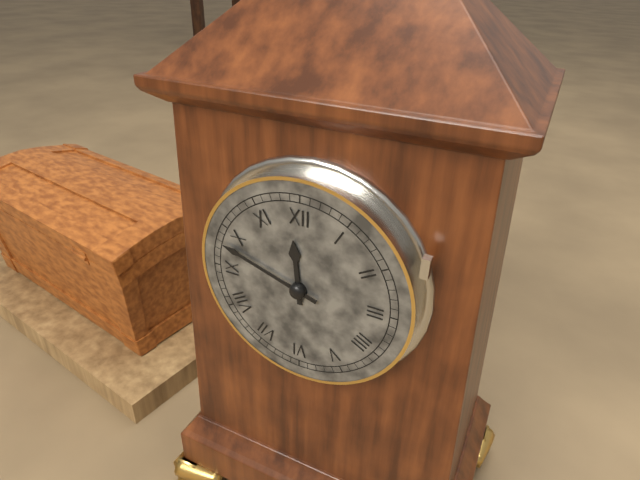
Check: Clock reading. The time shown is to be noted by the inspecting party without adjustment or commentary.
11:48
